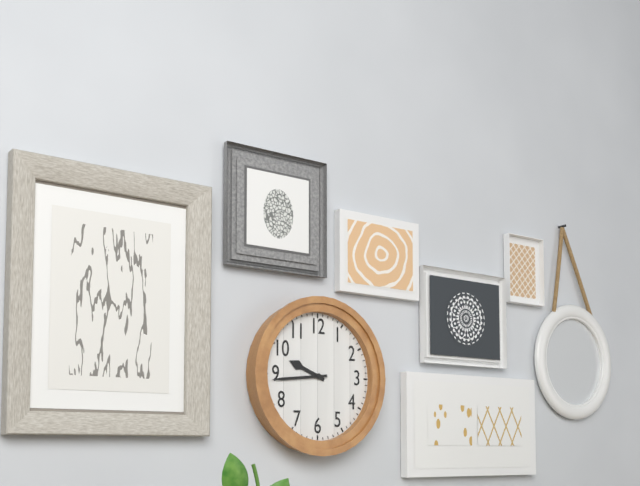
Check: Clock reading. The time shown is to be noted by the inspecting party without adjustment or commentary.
9:44
